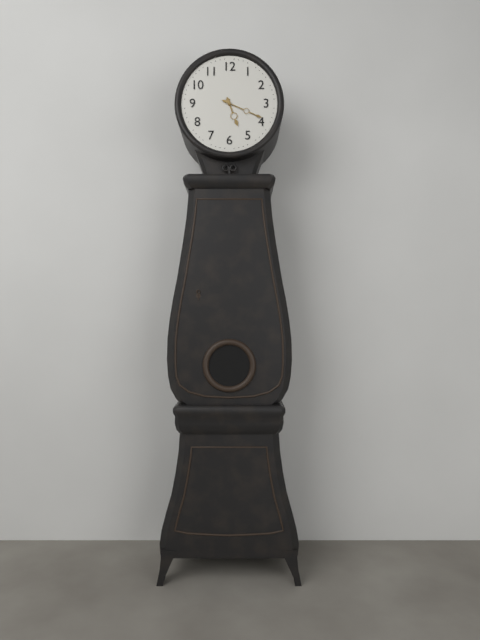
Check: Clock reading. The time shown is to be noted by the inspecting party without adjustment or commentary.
5:19
